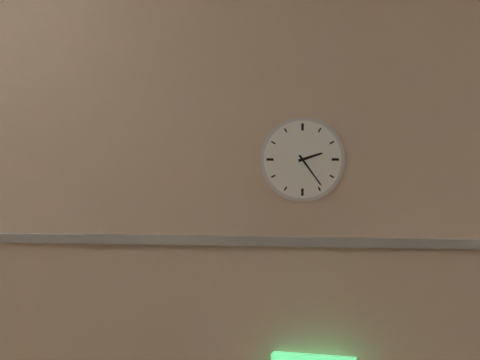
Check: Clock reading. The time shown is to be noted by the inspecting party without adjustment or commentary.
2:24
